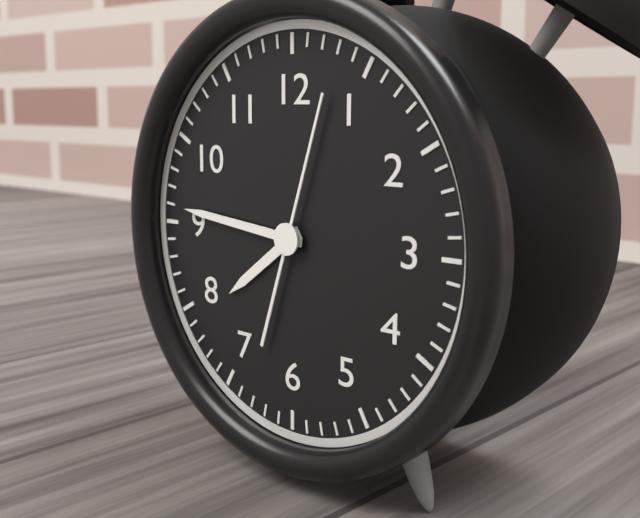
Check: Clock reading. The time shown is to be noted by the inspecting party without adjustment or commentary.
7:46:03
